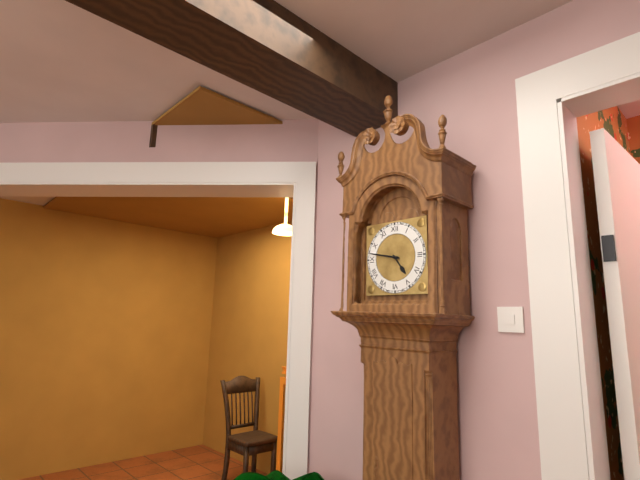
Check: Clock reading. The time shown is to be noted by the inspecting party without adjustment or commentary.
4:47
